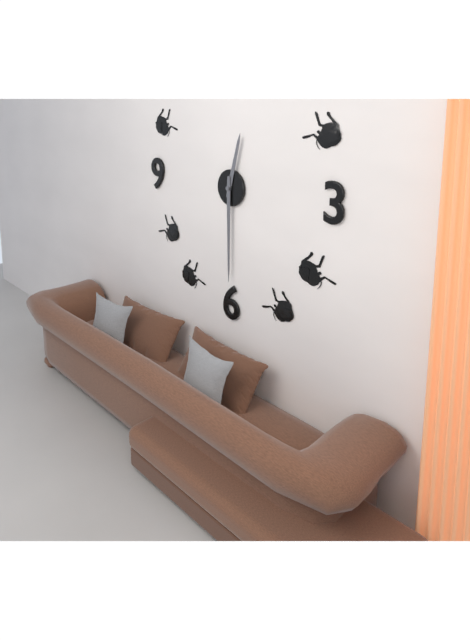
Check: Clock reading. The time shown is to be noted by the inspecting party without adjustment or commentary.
12:30
